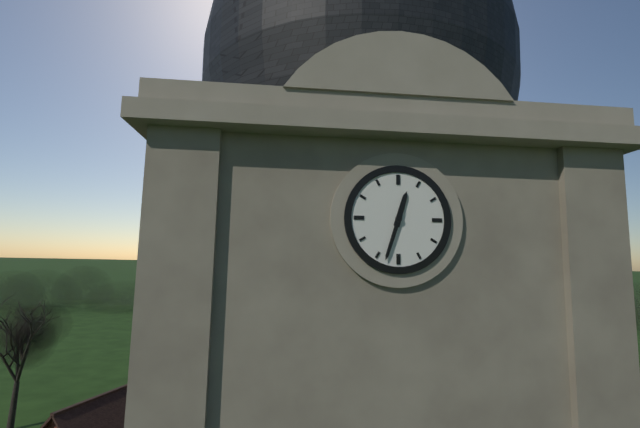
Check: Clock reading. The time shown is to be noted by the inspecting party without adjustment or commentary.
12:33
